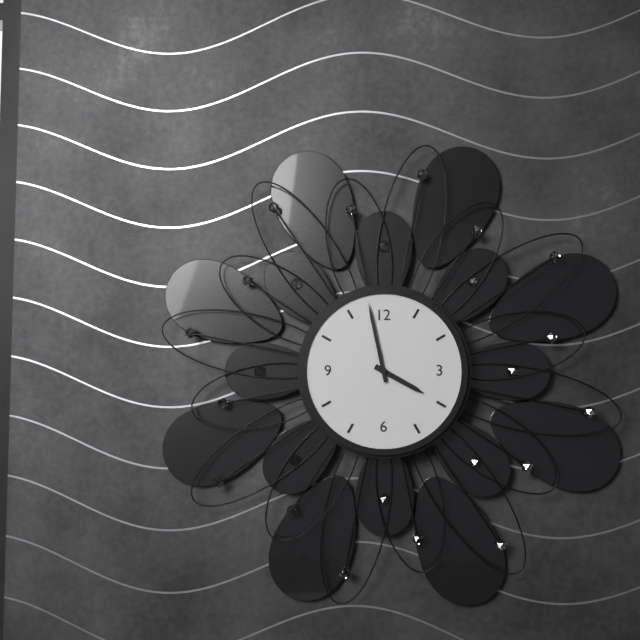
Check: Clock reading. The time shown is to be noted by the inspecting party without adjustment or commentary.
3:58
